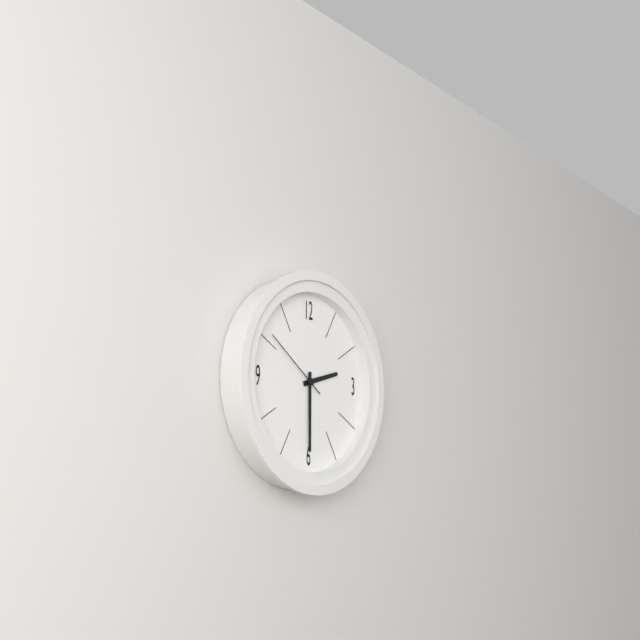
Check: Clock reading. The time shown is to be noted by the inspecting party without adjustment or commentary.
2:30:51
